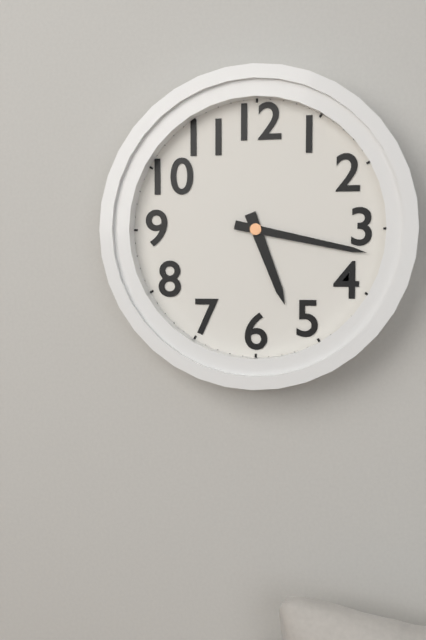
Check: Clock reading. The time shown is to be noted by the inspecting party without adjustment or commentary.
5:17
